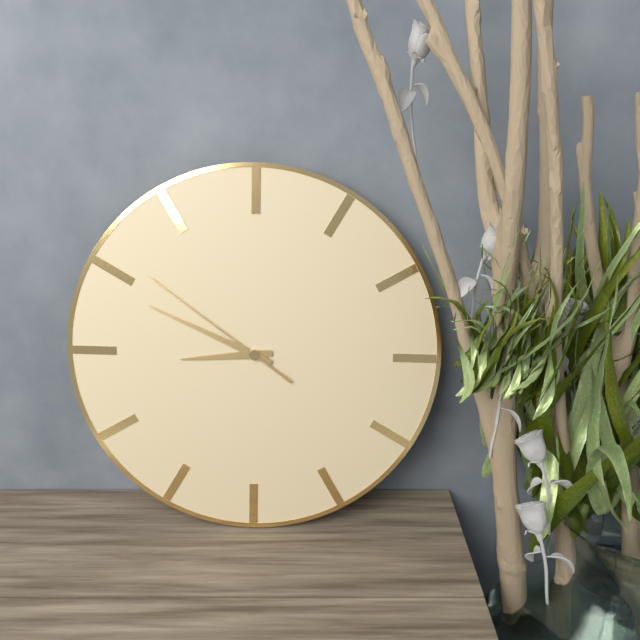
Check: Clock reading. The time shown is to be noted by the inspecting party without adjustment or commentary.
8:49:51
